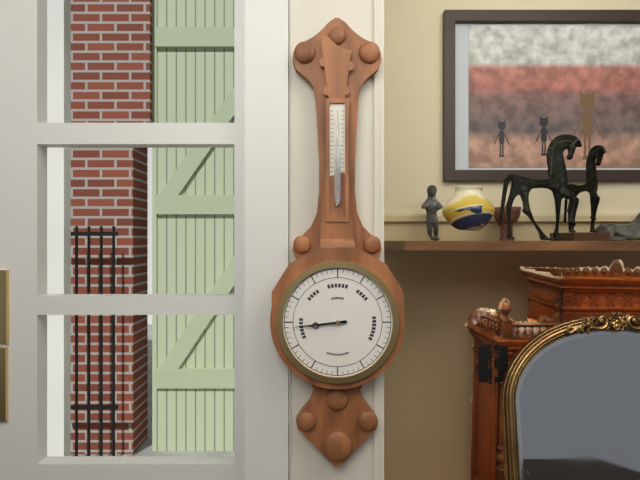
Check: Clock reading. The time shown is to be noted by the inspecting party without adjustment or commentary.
8:44
